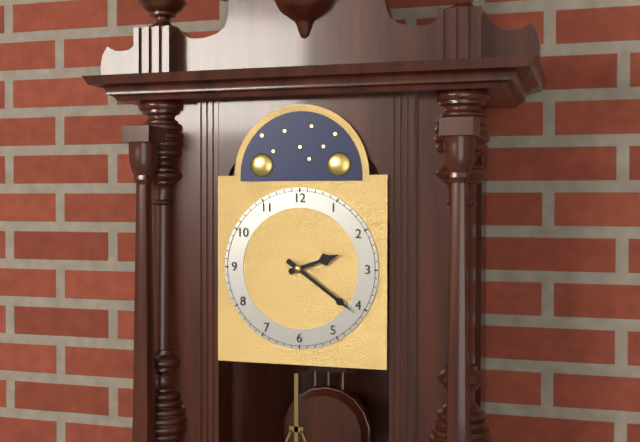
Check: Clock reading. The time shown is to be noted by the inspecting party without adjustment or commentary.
2:21
